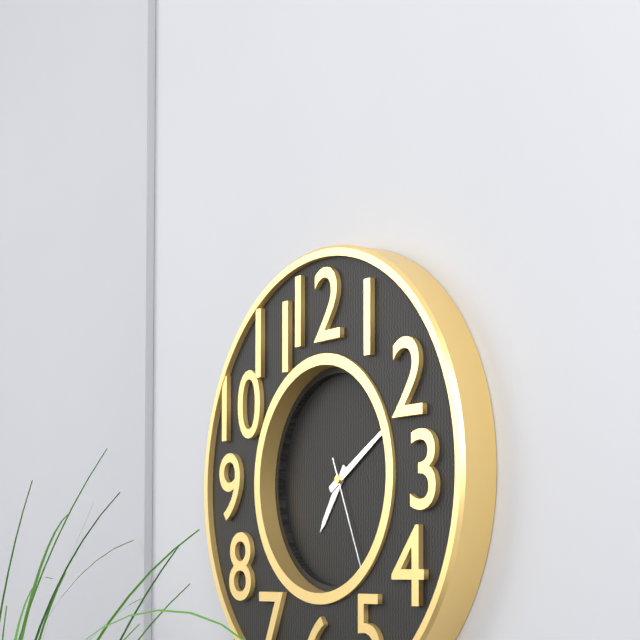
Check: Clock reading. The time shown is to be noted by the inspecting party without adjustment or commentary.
7:10:26
